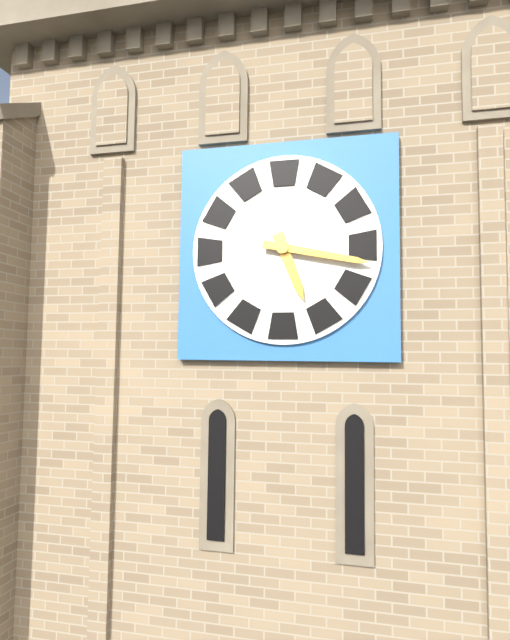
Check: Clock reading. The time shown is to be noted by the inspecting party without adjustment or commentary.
5:17
